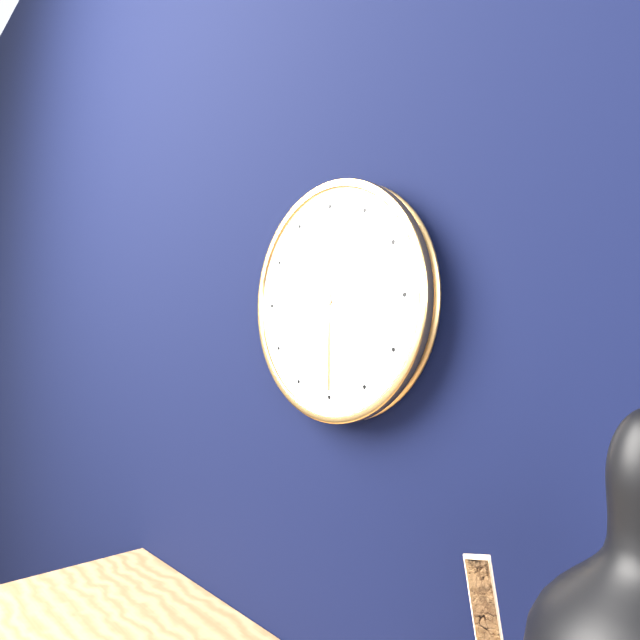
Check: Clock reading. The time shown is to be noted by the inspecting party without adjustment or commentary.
10:30
